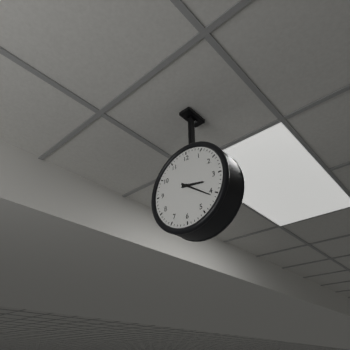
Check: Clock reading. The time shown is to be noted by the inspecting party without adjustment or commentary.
3:21
